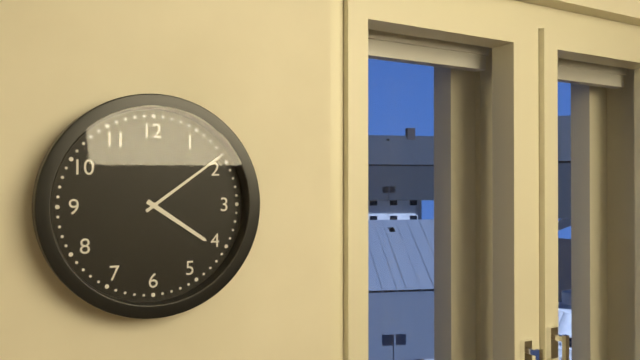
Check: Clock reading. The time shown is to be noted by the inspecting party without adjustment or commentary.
4:09
